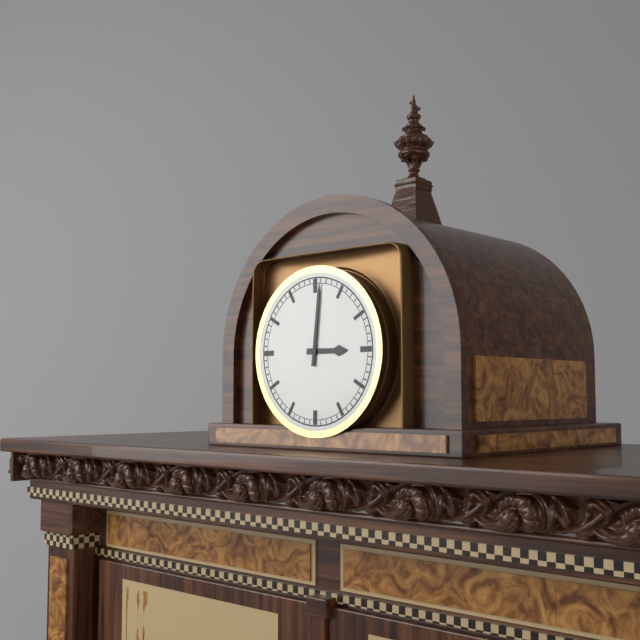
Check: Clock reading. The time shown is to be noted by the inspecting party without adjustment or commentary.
3:01
